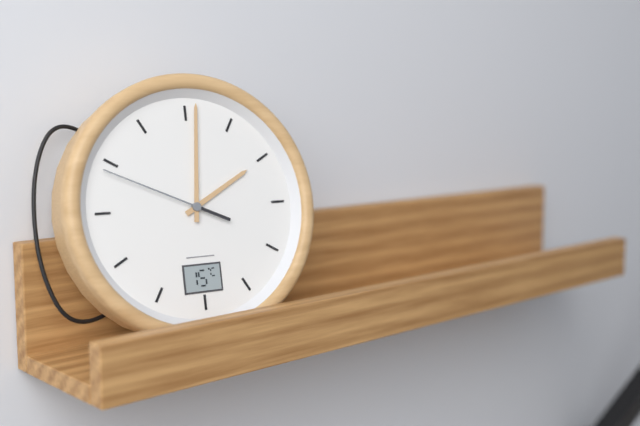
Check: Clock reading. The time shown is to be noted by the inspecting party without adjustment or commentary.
2:01:49
